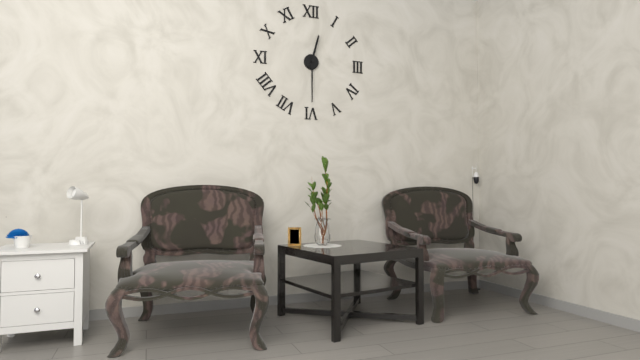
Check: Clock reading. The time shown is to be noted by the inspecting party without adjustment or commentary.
12:30
